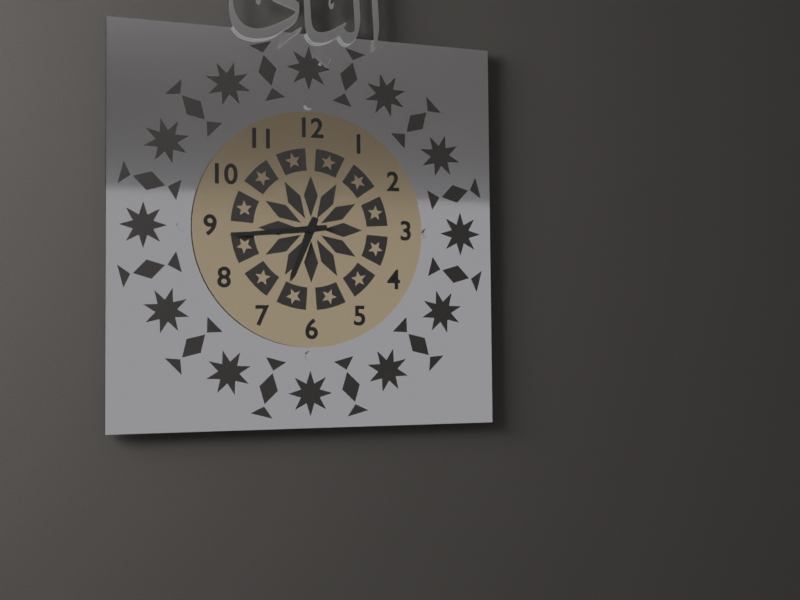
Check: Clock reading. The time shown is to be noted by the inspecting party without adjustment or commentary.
6:44
